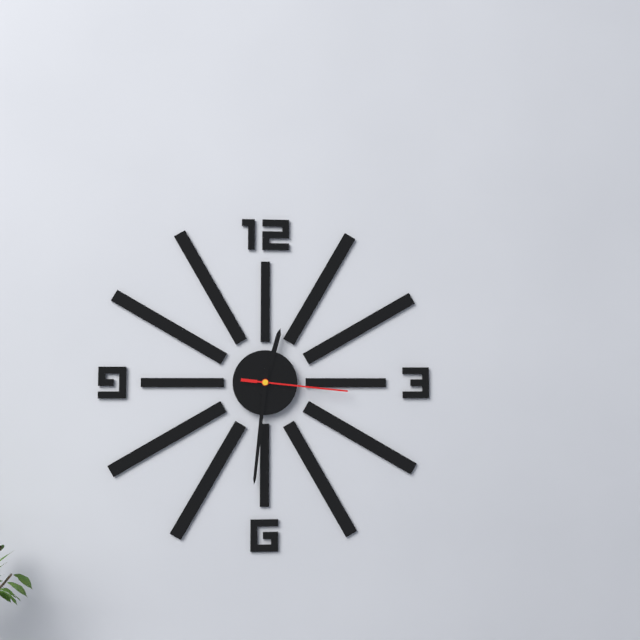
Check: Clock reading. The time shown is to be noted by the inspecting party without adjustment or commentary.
12:31:16
